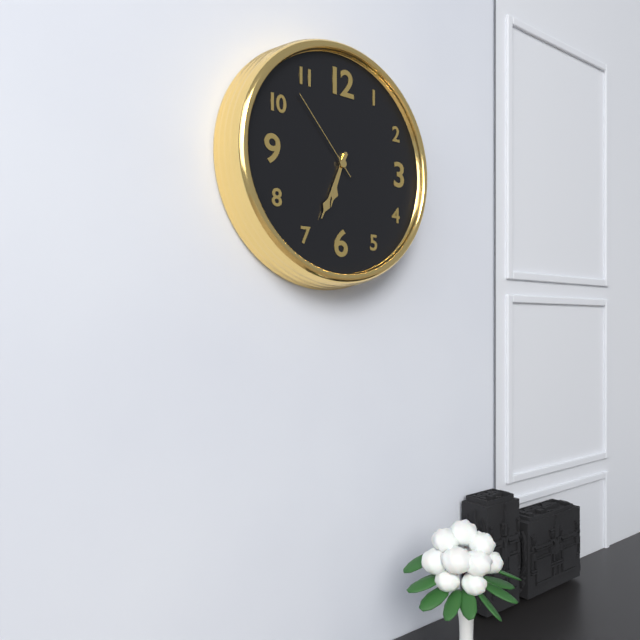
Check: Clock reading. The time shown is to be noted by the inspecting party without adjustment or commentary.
6:34:53
